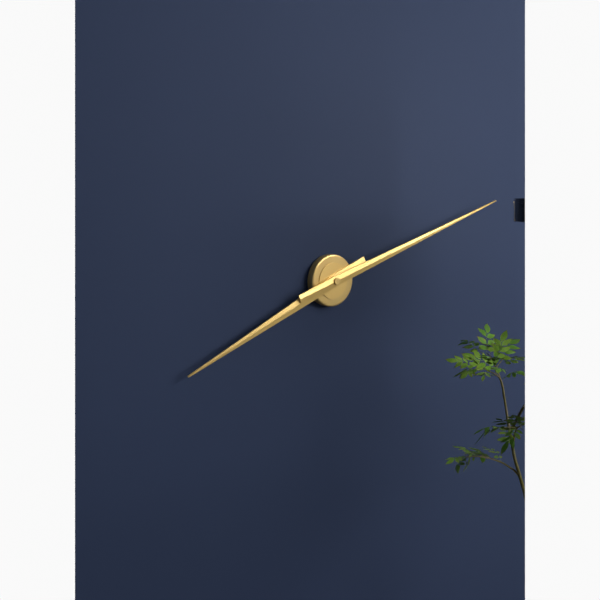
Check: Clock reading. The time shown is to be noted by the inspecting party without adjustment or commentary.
8:12
